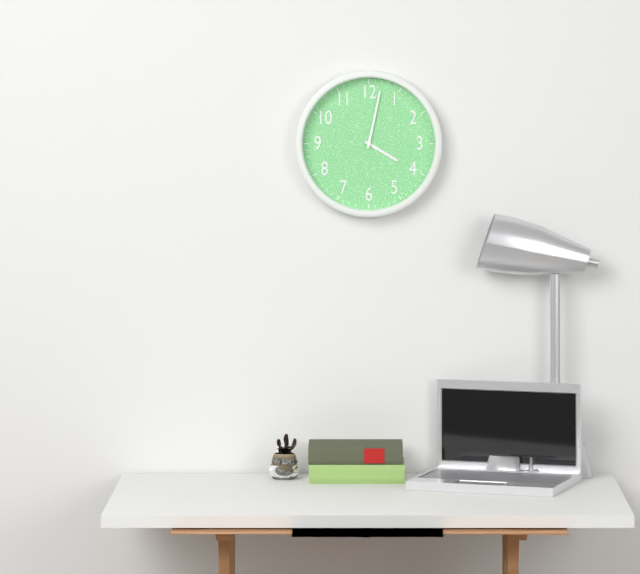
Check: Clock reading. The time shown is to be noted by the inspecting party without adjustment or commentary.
4:02
